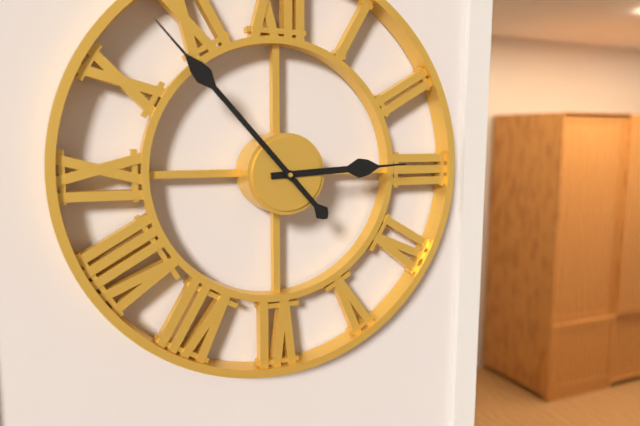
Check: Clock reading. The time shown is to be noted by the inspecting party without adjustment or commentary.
2:53
